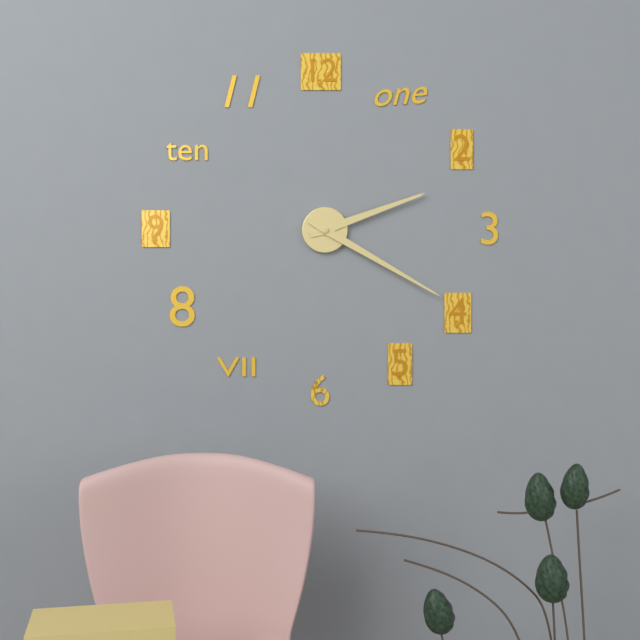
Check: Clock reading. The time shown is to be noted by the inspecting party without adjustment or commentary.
2:20
